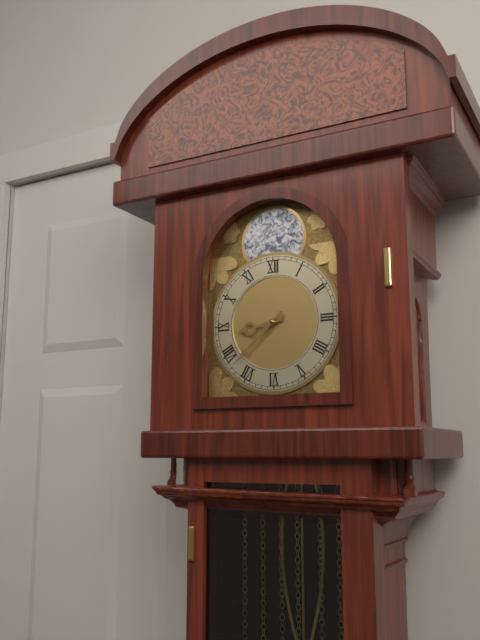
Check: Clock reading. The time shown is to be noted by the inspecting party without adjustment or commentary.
8:38
